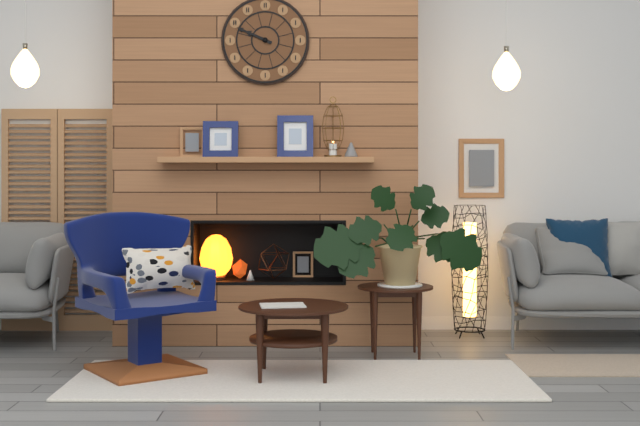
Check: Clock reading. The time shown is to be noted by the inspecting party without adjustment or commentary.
9:49
